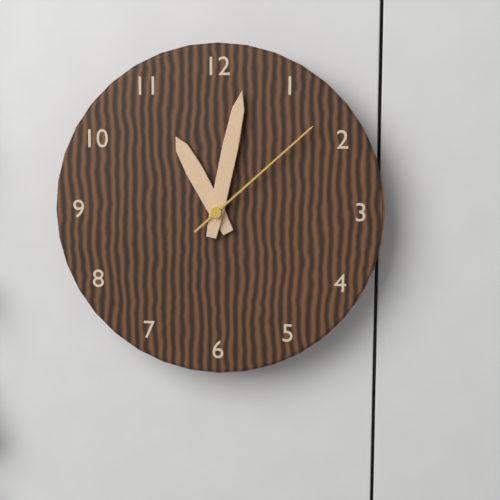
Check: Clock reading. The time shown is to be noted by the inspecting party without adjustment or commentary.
11:02:08
